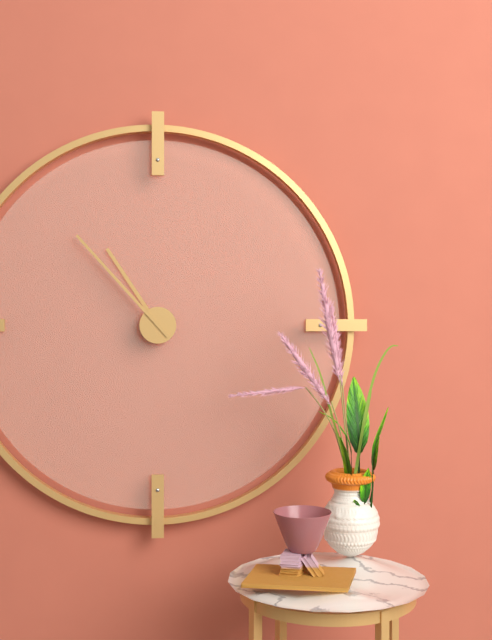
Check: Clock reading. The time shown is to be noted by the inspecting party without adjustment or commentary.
10:53
